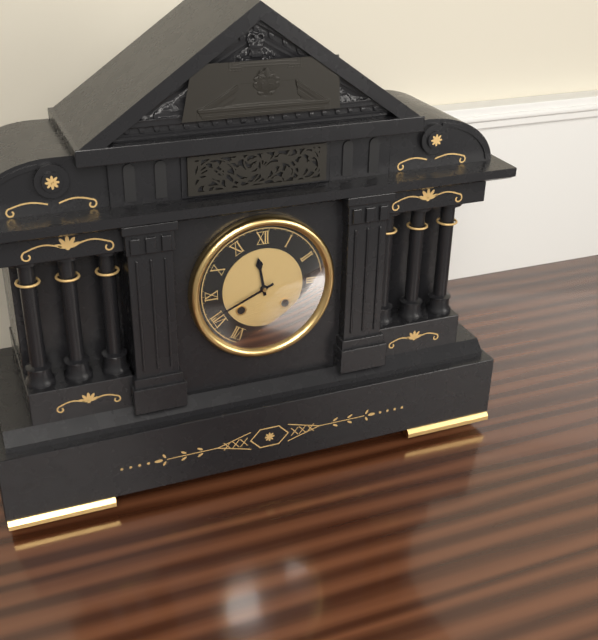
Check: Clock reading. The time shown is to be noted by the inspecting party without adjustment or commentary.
11:41
